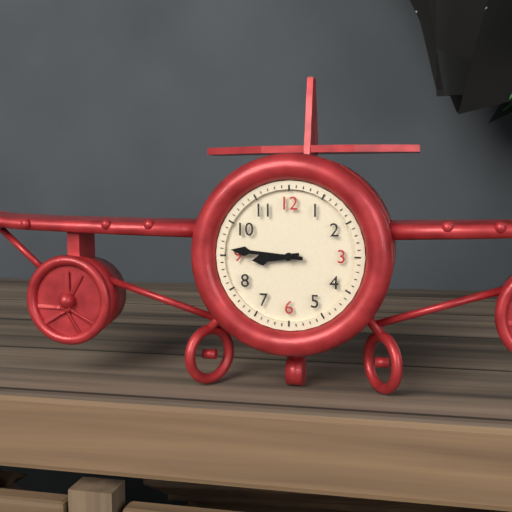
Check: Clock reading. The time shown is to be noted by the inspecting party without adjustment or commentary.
8:46
